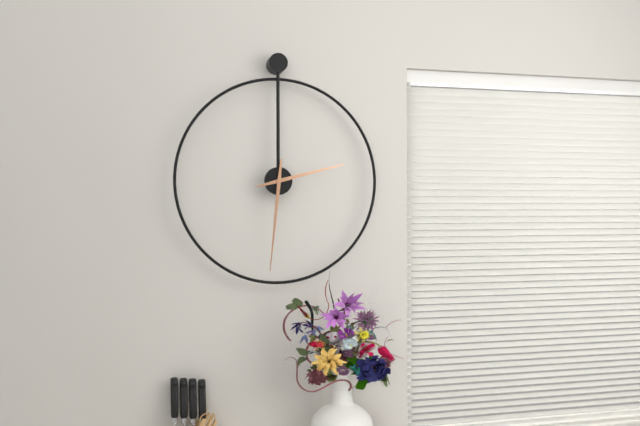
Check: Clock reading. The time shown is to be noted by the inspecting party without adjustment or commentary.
2:31
